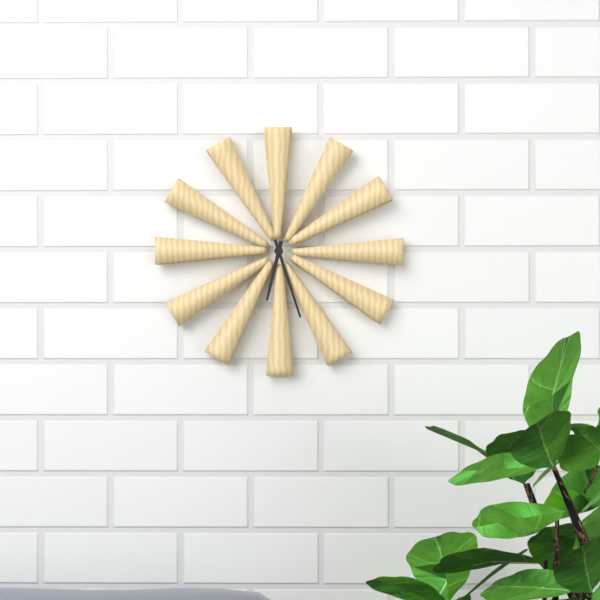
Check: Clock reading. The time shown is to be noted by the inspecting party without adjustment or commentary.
6:27
